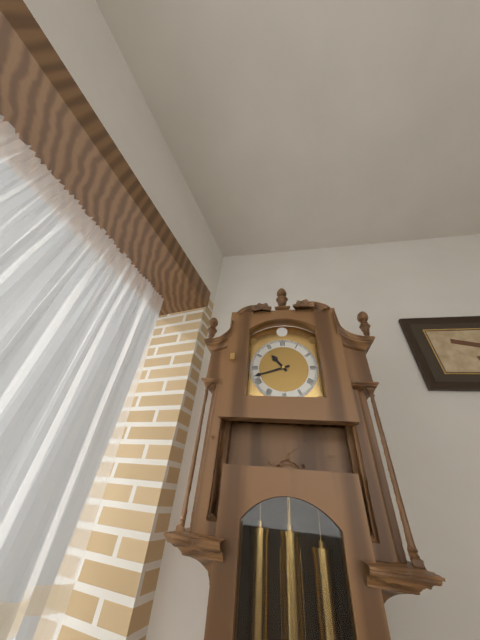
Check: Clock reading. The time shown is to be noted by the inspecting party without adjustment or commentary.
10:42
